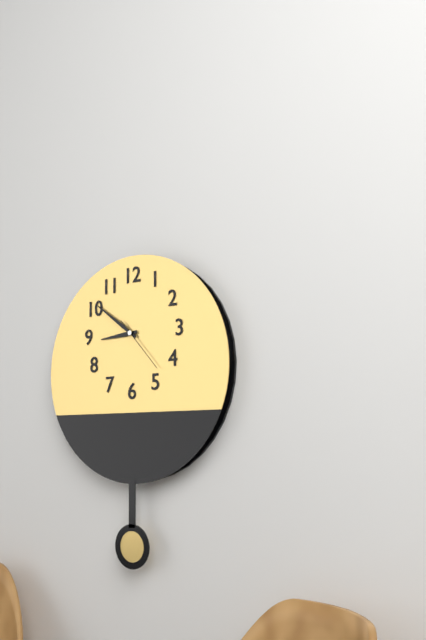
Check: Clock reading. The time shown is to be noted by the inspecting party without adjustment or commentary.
8:51:23
